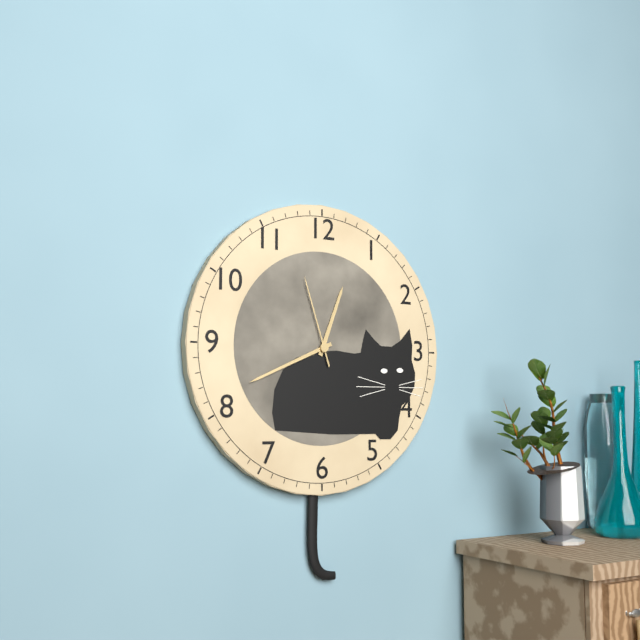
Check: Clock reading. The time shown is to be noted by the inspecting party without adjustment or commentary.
12:41:57
